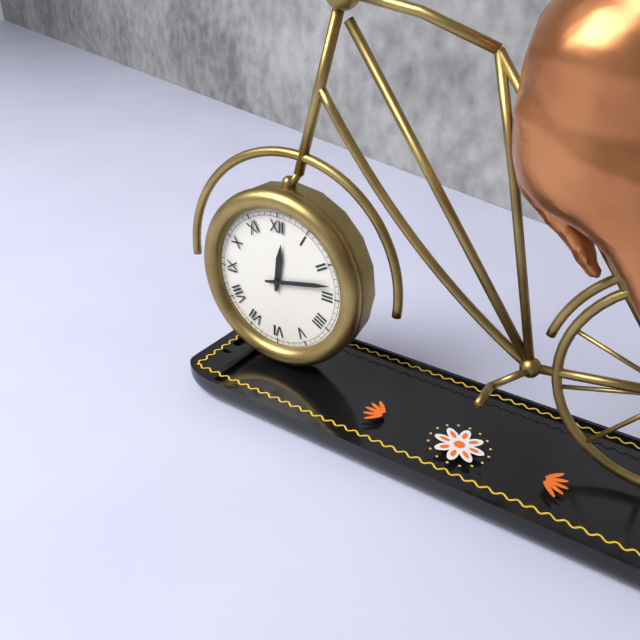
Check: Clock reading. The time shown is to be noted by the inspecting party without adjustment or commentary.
12:13
